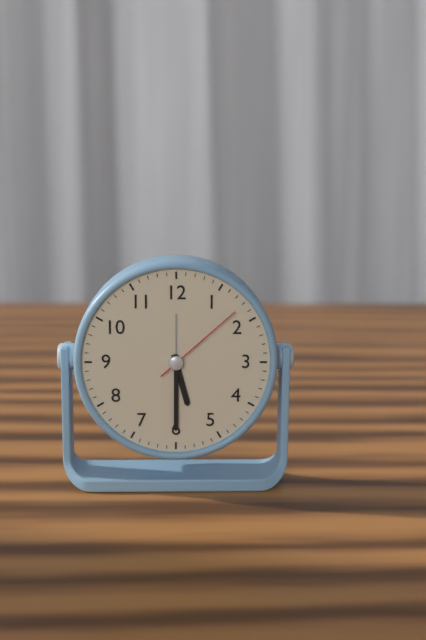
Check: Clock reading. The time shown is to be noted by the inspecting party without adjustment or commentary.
5:30:08
